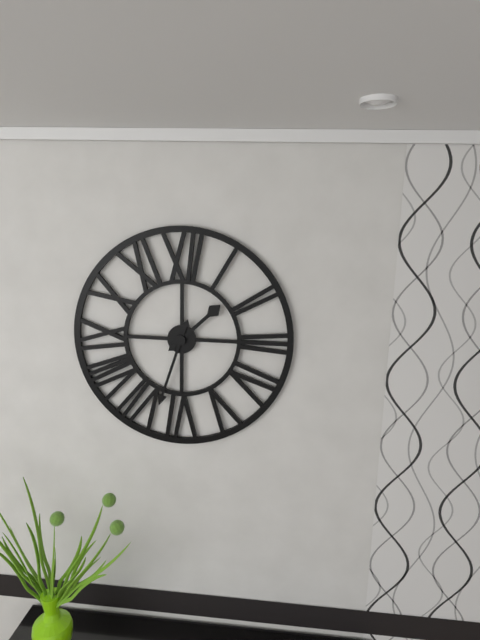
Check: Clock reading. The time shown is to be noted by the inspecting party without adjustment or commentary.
1:33
